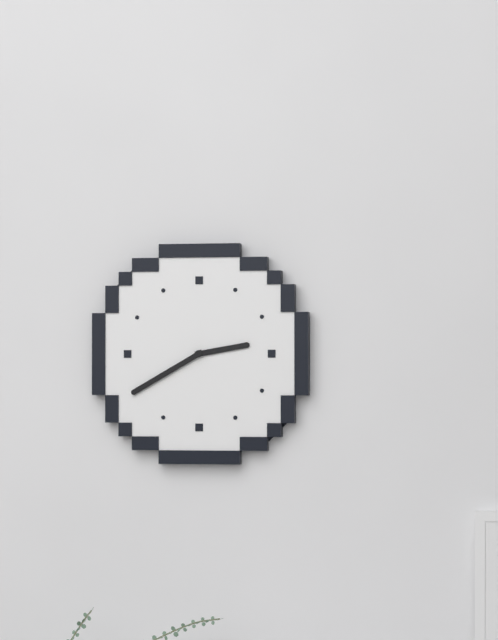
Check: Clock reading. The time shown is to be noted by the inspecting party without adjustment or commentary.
2:40
